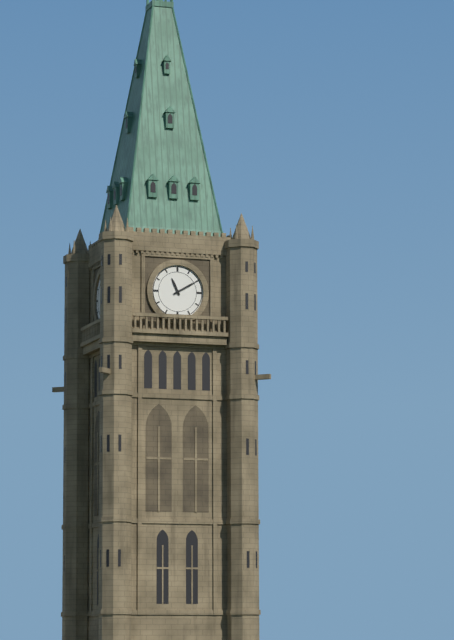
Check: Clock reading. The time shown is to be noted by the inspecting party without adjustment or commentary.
11:10
